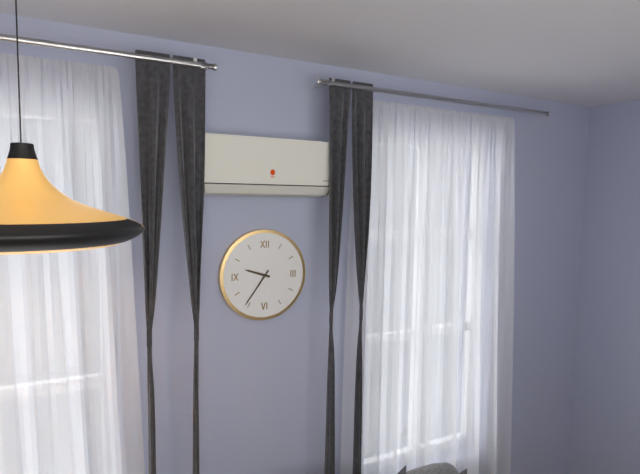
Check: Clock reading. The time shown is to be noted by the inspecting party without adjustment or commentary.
9:36
